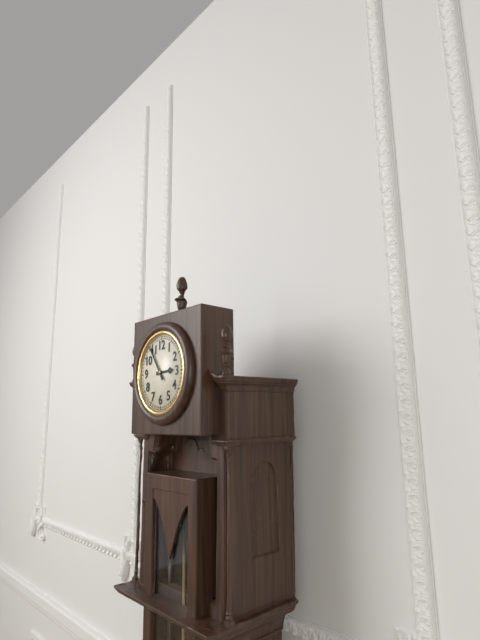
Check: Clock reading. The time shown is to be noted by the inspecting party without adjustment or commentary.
2:54
